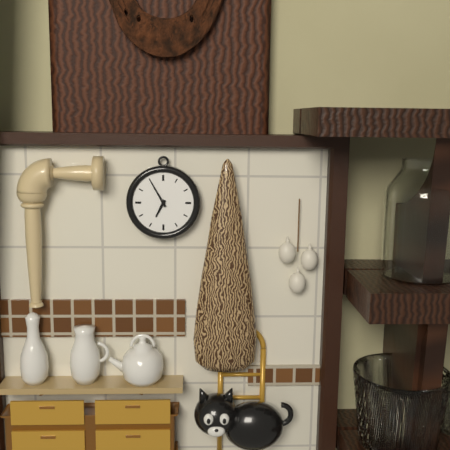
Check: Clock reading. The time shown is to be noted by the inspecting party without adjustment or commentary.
6:55
